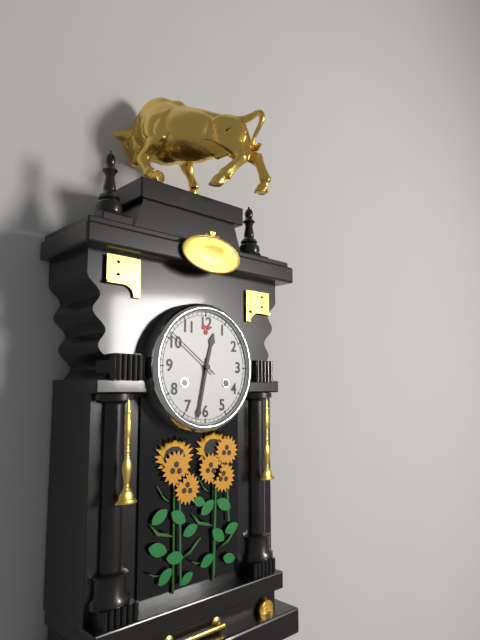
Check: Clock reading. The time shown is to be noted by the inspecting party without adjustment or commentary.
12:32:51
